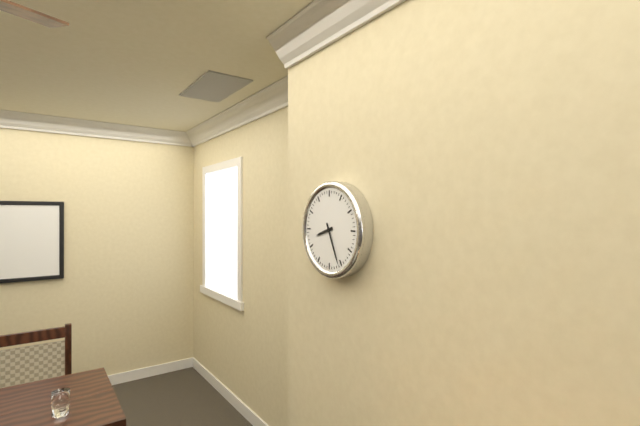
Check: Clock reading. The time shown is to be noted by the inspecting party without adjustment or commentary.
8:26
